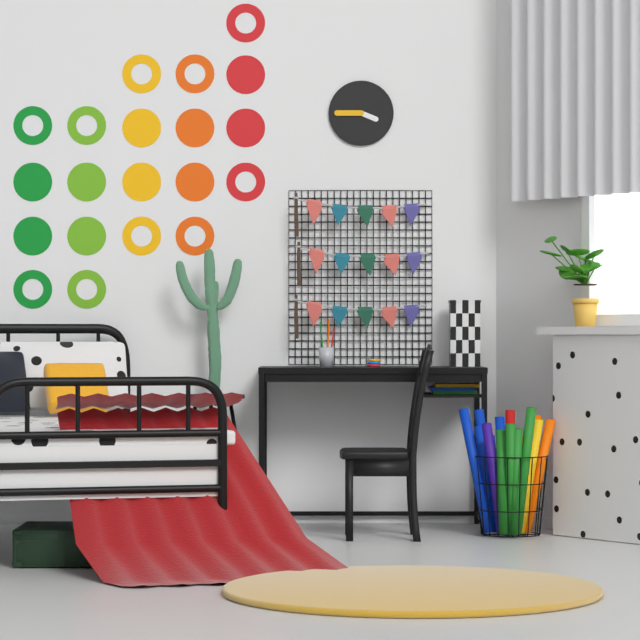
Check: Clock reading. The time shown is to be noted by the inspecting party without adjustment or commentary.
3:45
